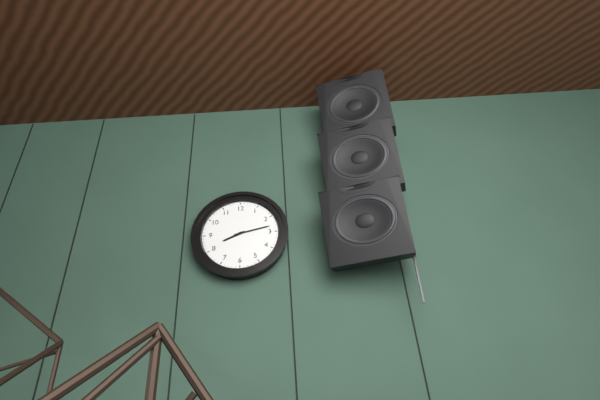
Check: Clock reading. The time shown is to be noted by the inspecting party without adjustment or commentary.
8:13
